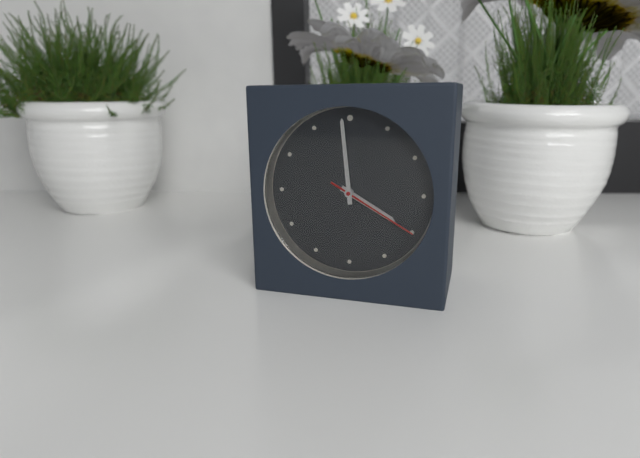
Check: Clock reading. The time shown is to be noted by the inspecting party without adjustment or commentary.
3:59:20
